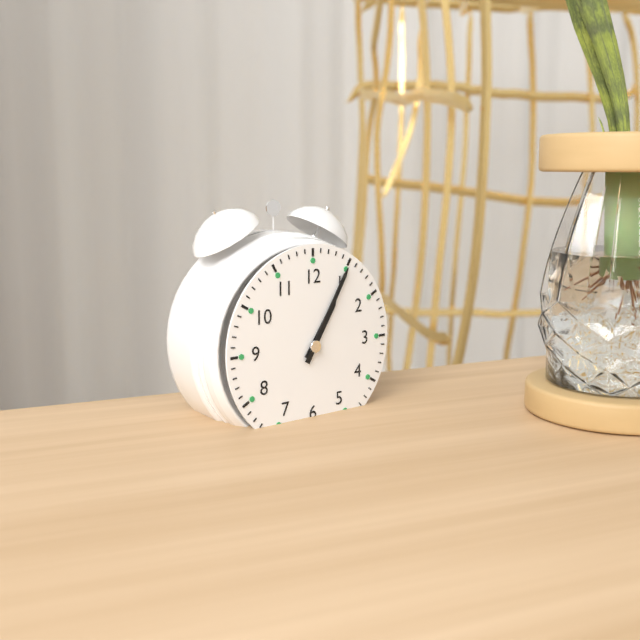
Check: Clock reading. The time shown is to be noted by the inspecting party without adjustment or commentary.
1:05
